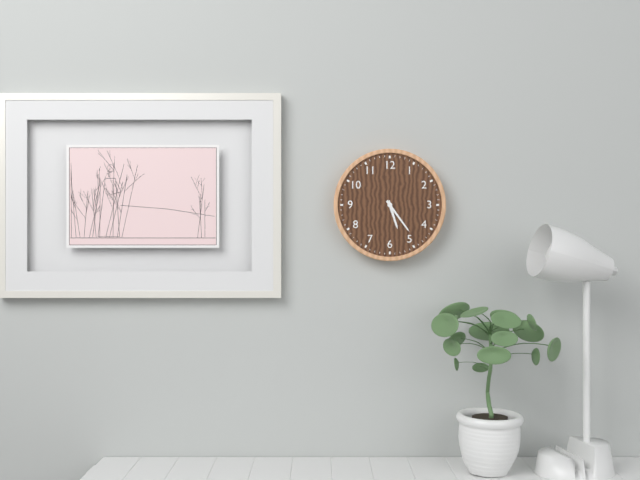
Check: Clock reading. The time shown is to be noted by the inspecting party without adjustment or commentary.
5:24
